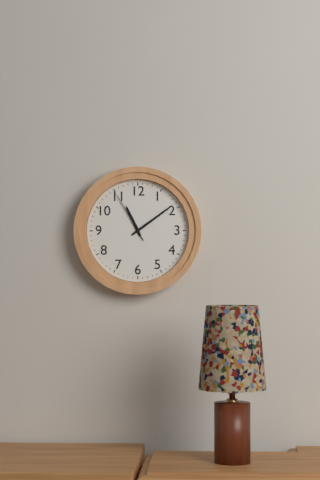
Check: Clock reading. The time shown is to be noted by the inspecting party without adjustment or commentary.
11:09:55
